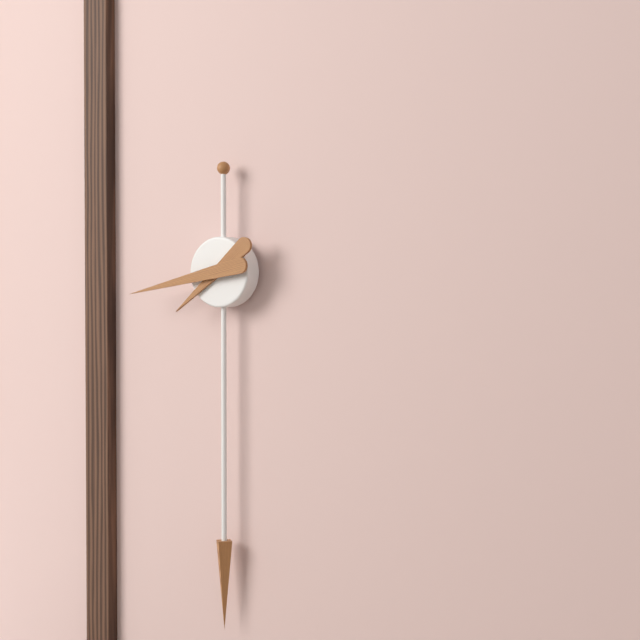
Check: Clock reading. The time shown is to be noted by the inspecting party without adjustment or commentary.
7:43
